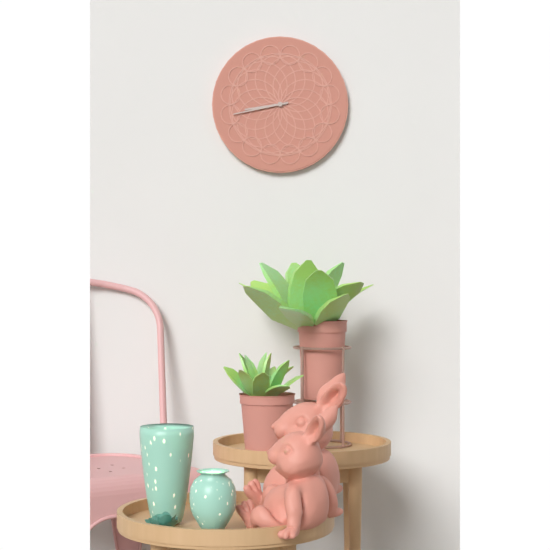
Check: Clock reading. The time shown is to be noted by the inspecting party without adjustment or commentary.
8:43
